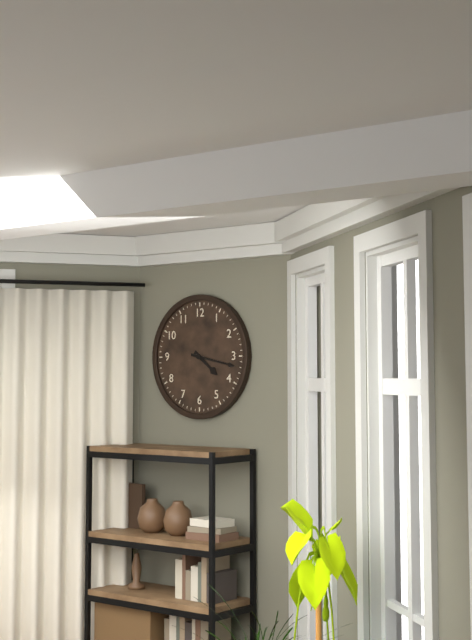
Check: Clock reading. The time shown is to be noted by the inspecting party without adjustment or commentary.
4:17
